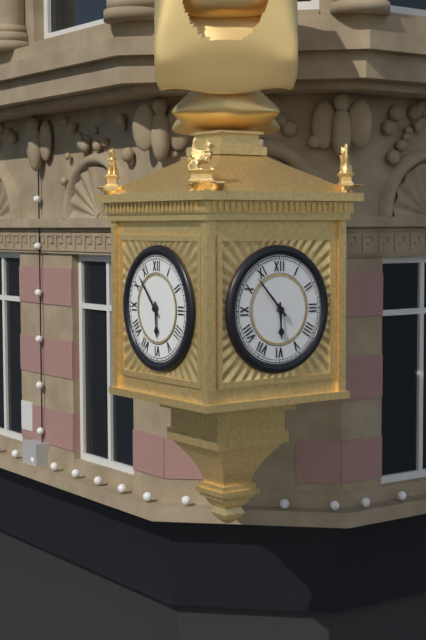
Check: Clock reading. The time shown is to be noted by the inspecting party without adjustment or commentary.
5:53
